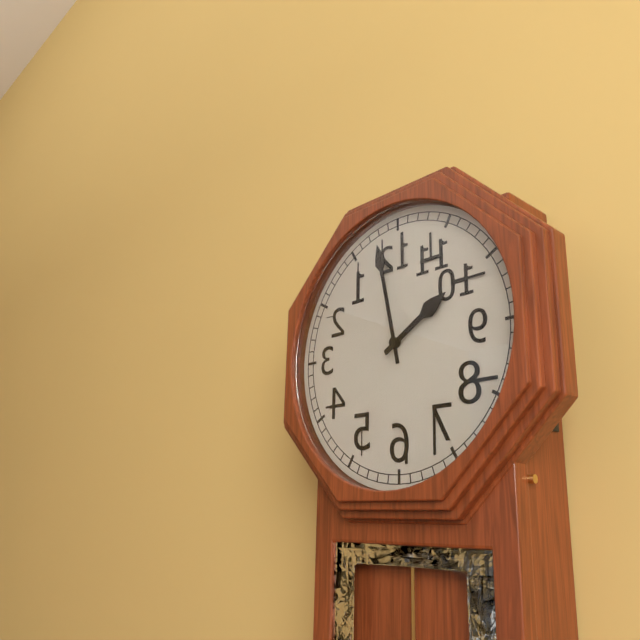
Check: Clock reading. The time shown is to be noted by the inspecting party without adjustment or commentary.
1:58
